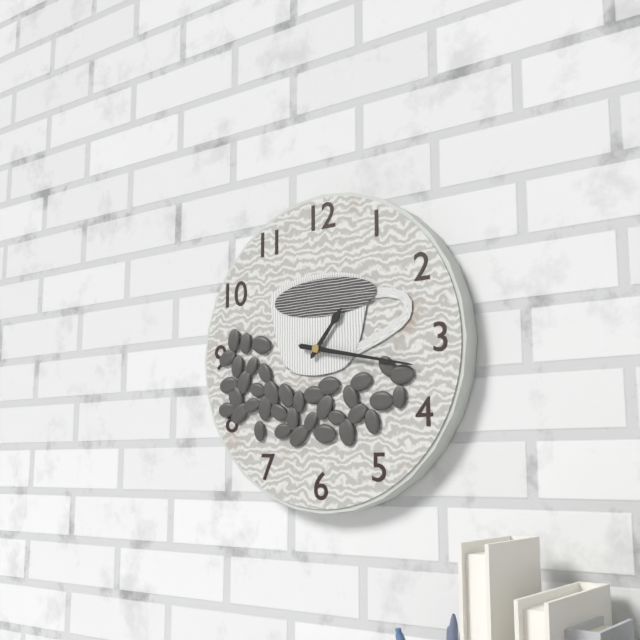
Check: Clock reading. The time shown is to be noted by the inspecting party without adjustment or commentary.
1:17
